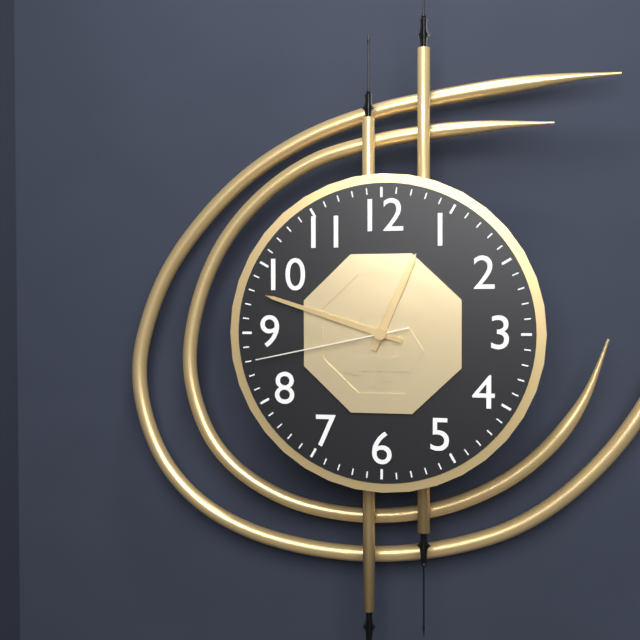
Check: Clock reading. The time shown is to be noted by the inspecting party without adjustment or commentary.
12:48:43
